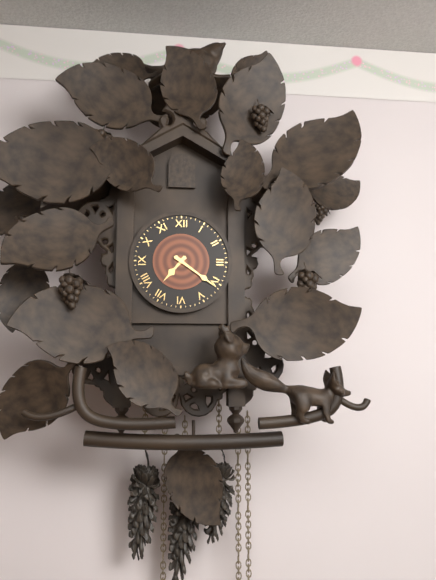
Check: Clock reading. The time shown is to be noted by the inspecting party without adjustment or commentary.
7:21
